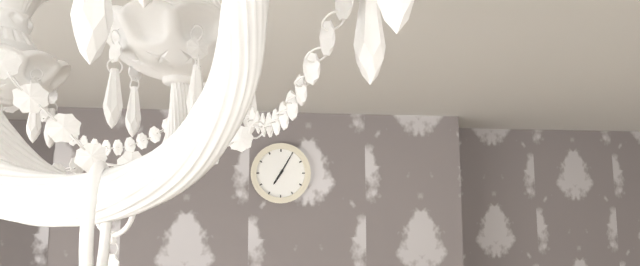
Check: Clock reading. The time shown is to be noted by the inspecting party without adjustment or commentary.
7:05
